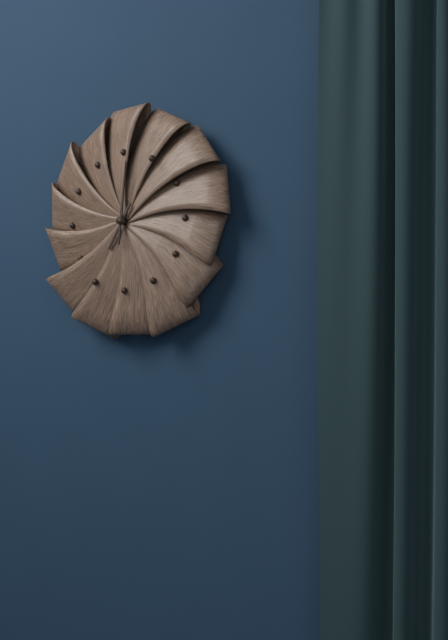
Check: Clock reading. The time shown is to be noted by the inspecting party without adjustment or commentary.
7:01
